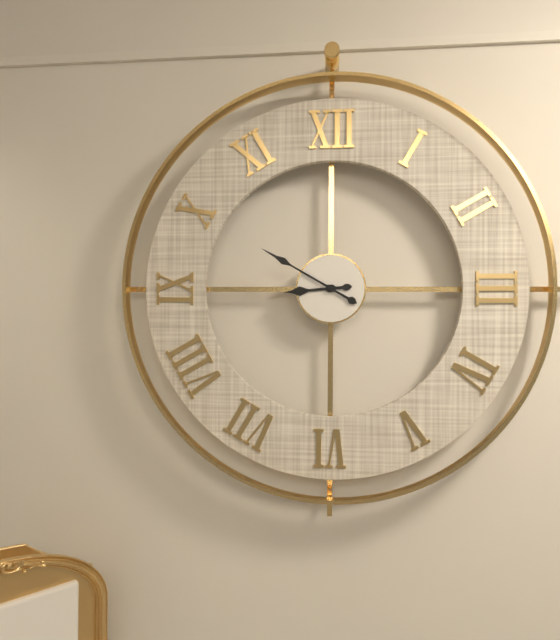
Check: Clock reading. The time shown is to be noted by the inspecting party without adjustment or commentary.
8:50
